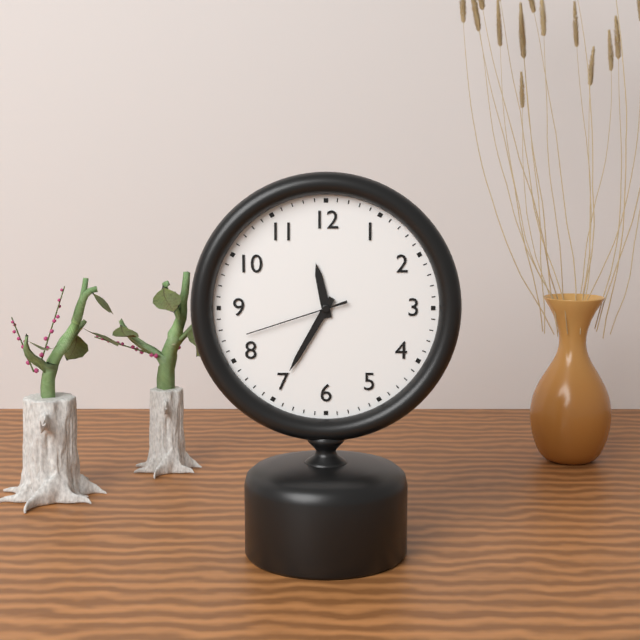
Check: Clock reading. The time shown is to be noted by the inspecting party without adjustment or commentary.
11:35:42
